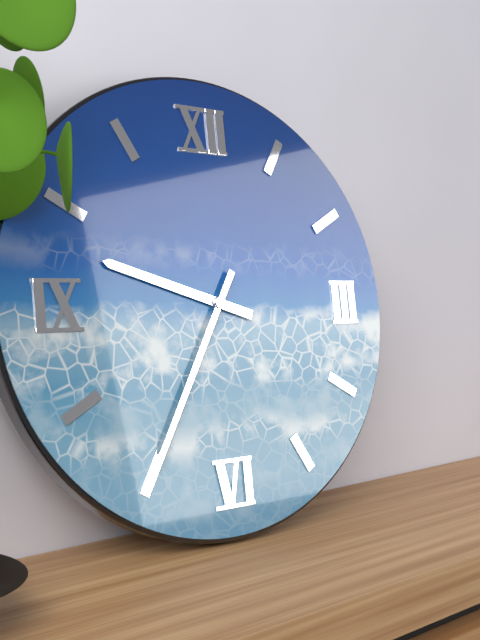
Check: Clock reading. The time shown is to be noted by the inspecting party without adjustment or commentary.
9:35
